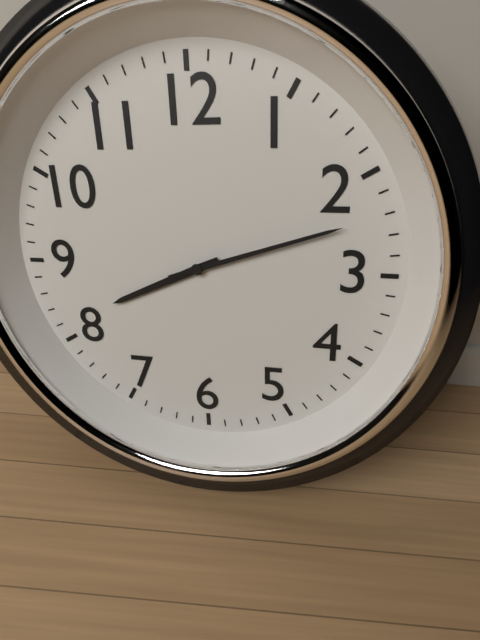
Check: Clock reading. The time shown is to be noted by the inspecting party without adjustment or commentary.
8:12
